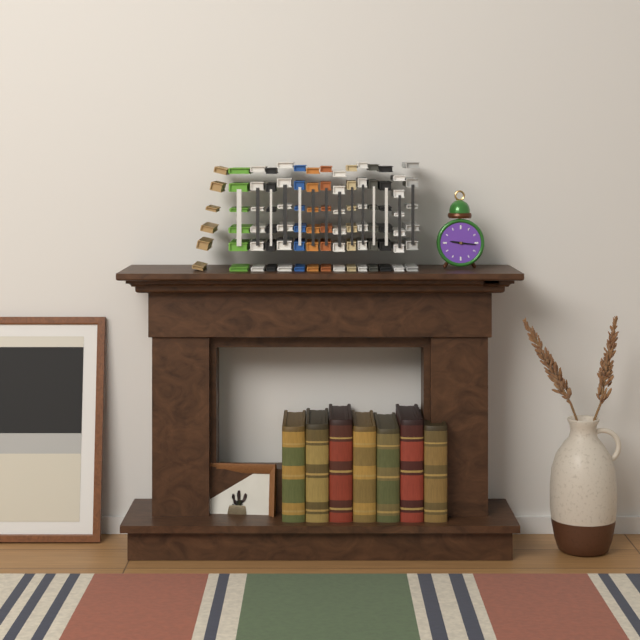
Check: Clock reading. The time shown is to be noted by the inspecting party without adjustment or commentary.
9:16
